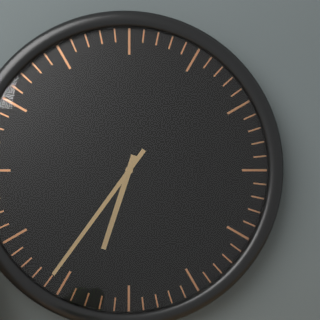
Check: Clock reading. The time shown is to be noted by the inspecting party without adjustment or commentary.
6:36
